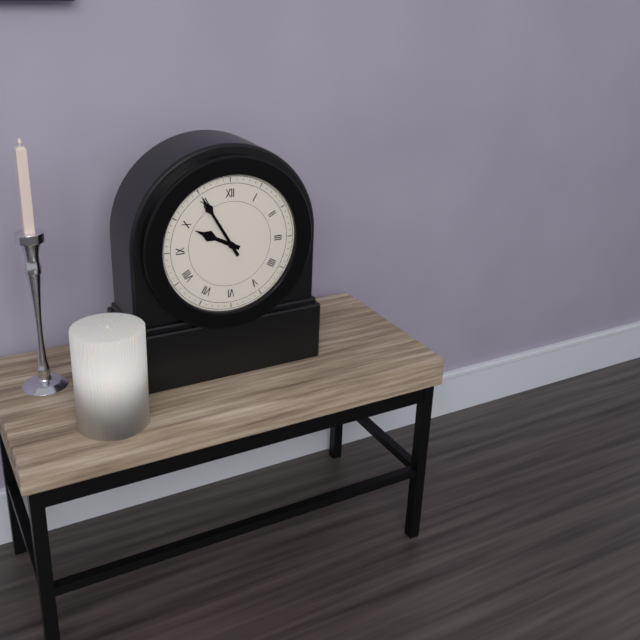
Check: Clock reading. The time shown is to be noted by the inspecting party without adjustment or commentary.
9:55
